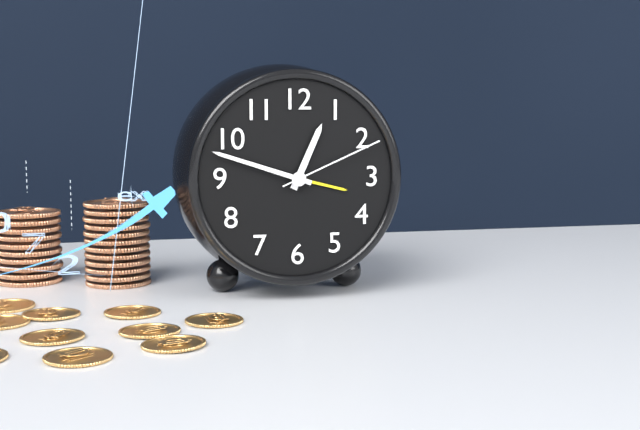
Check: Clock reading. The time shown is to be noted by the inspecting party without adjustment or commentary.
12:48:11
